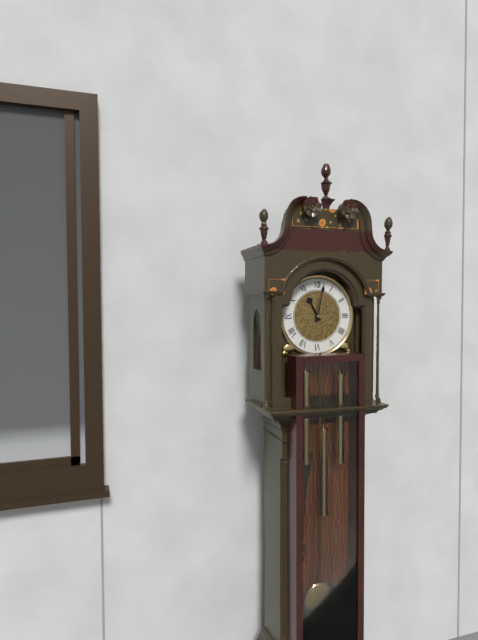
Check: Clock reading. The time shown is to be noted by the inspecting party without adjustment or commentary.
11:02
